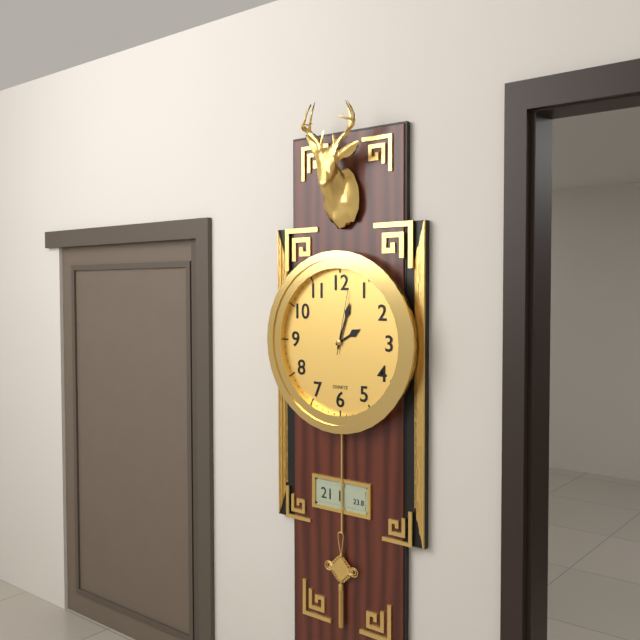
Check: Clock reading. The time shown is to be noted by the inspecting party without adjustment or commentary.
2:03:02
